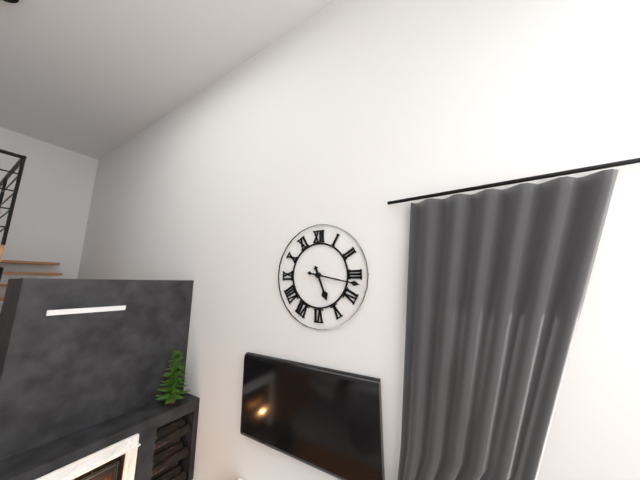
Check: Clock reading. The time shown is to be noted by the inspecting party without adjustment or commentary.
5:17
